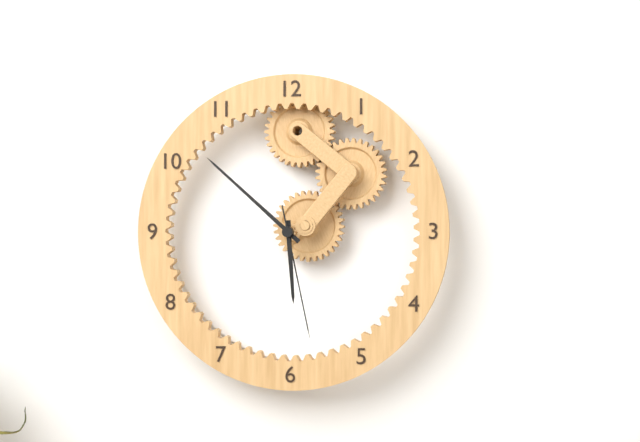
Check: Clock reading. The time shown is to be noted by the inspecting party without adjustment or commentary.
5:52:28
